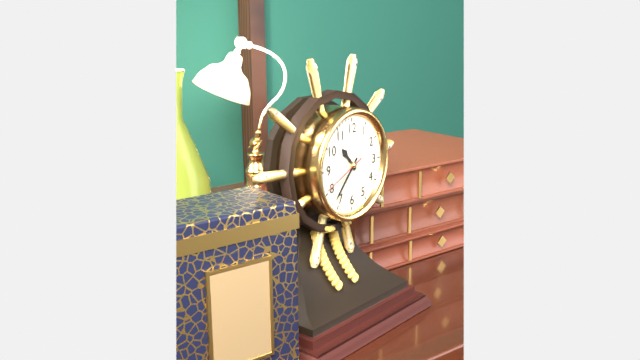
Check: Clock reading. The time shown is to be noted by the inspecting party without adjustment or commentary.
10:37
